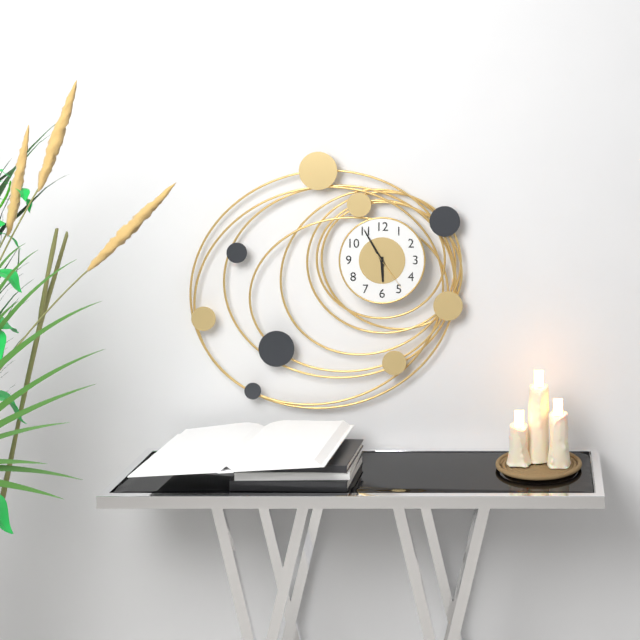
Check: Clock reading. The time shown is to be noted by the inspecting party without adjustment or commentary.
5:55
